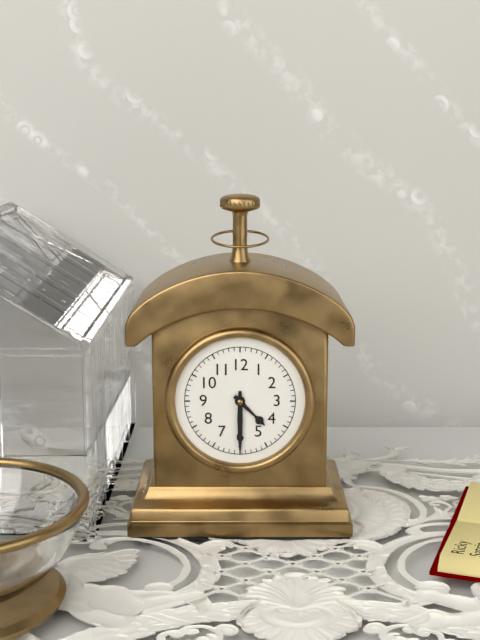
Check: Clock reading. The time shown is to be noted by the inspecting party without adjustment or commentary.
4:30
